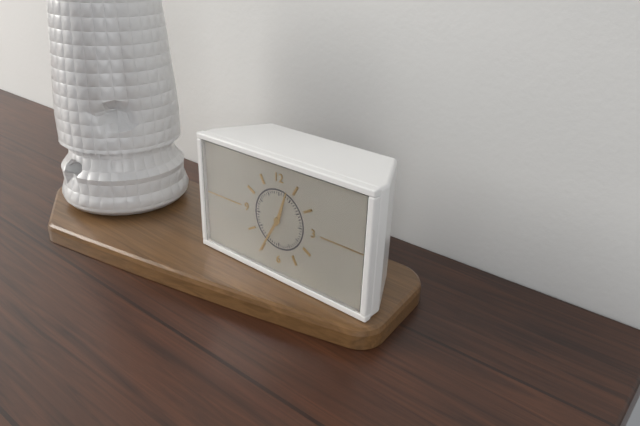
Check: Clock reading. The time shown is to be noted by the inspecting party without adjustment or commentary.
12:35
